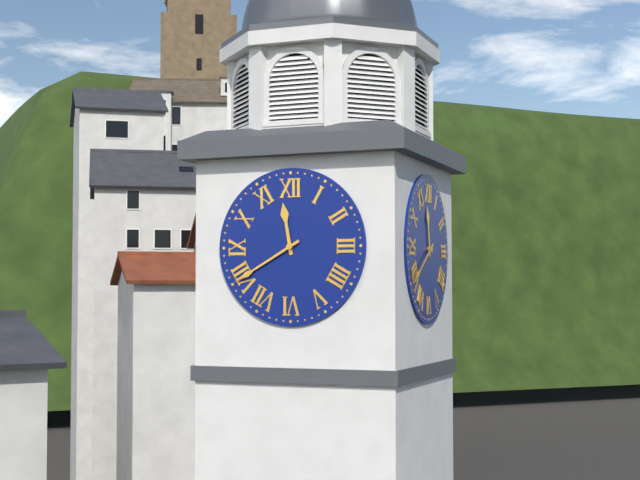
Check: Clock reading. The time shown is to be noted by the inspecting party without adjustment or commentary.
11:40
